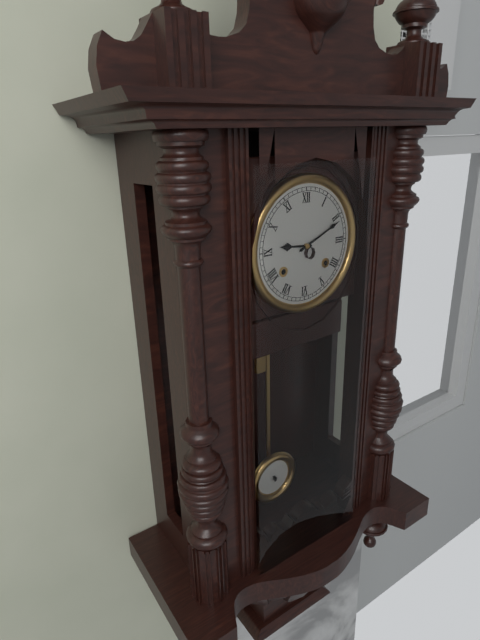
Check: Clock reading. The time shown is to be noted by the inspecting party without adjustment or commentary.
9:11
